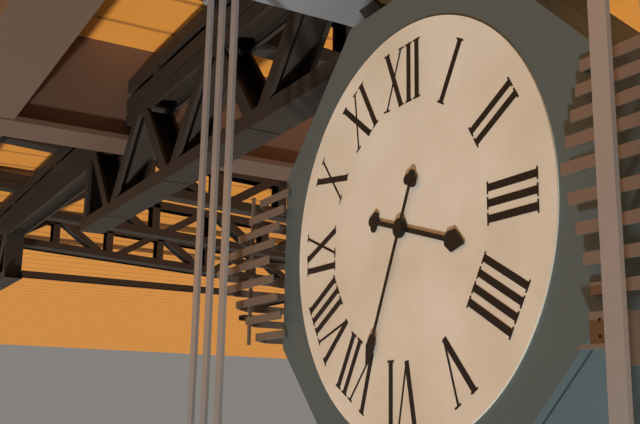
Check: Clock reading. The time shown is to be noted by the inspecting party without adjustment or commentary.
3:34
